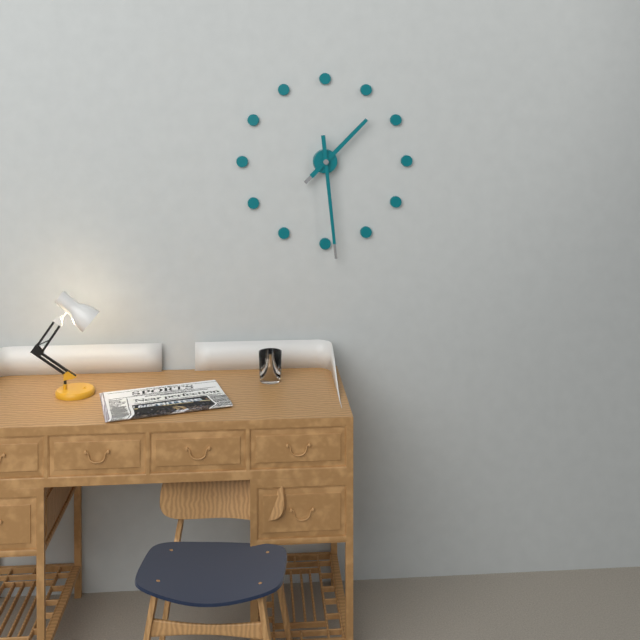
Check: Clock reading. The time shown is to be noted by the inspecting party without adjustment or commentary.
1:29
